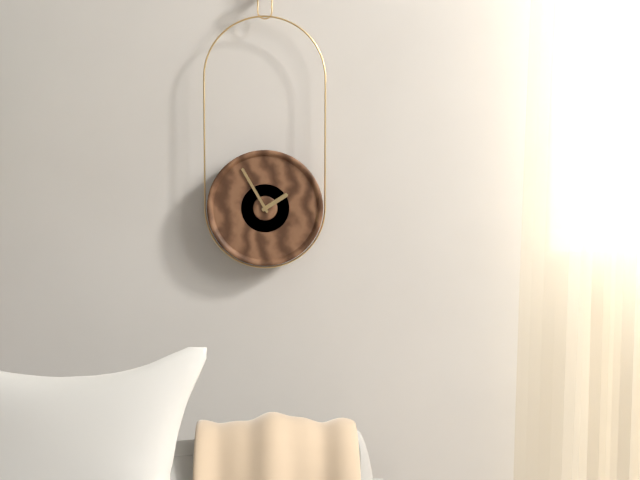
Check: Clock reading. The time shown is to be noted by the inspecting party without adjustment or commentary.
1:55
